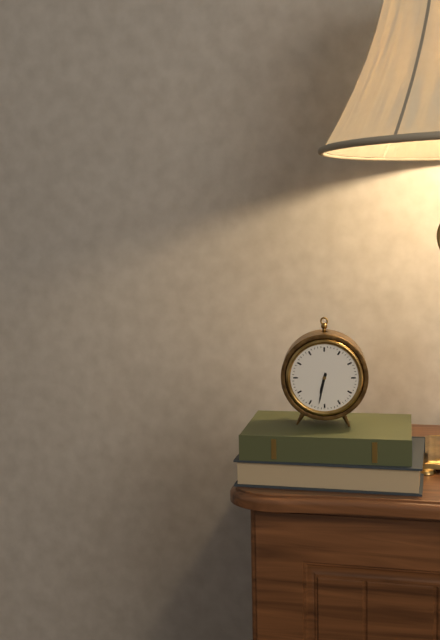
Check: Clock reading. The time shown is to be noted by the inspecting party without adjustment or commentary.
6:32
